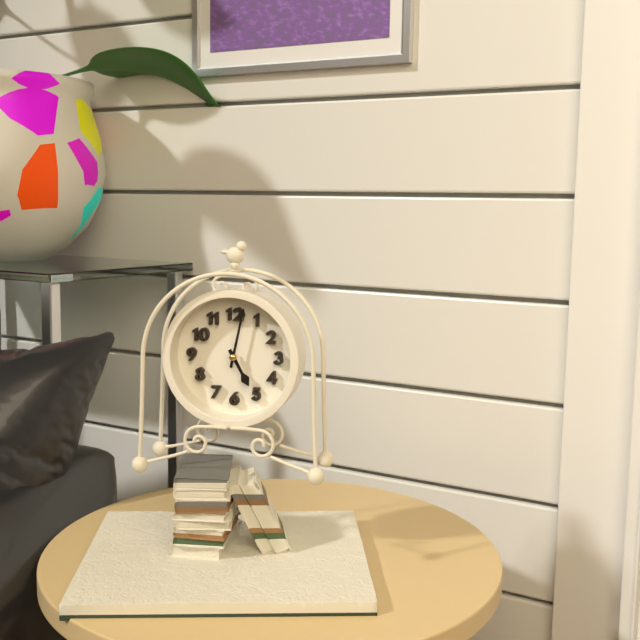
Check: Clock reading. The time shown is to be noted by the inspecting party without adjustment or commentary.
5:02
